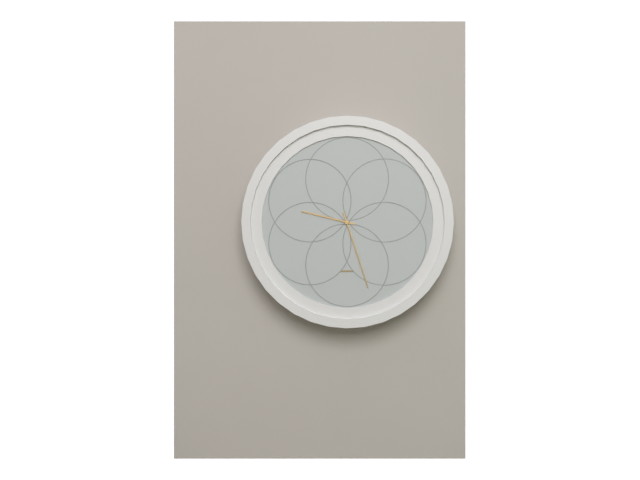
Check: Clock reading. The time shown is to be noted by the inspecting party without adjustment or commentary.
9:27
